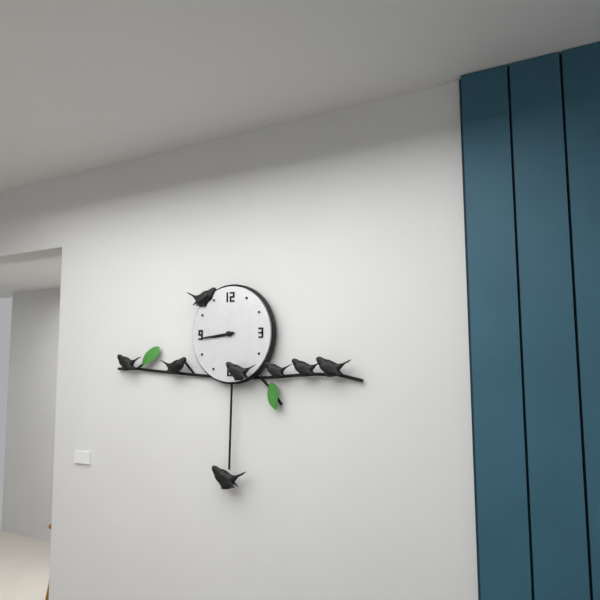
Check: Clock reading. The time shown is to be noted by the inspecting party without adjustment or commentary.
8:44
